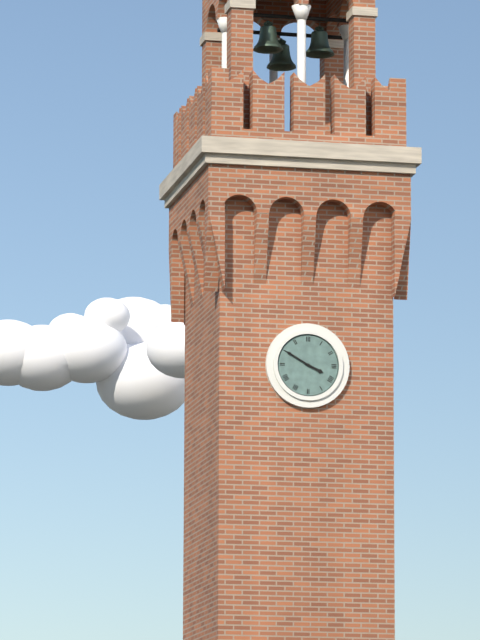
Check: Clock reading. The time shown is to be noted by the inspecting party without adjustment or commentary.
3:50
